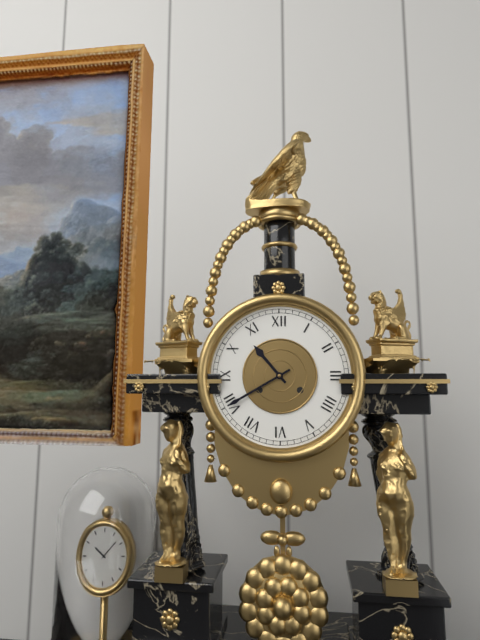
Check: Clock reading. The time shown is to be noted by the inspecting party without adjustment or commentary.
10:40
